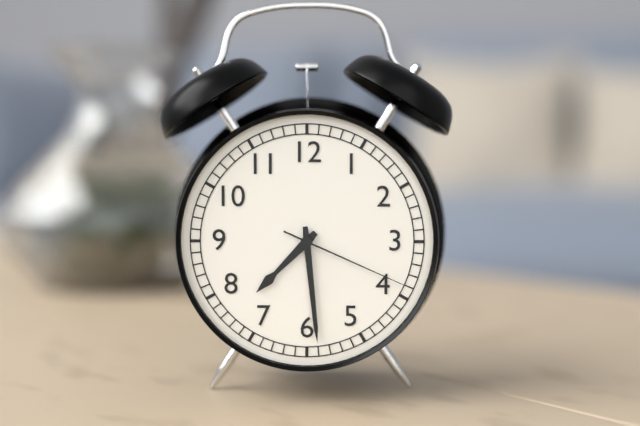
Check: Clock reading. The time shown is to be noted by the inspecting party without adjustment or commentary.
7:29:19
